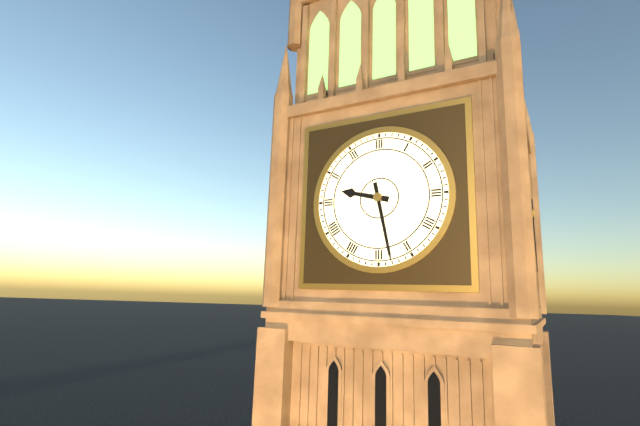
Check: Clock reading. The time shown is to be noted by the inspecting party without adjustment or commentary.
9:28
